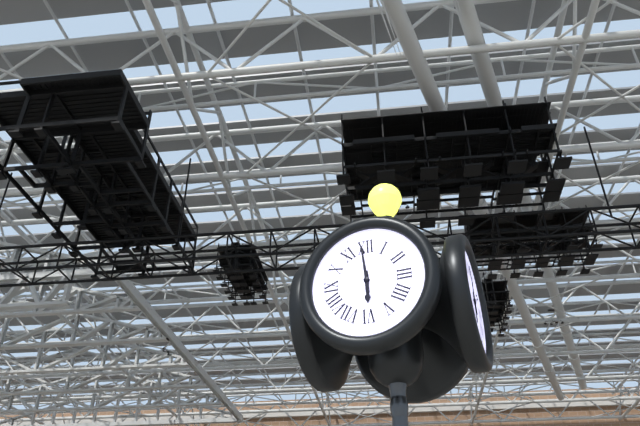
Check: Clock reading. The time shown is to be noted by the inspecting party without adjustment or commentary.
5:59
